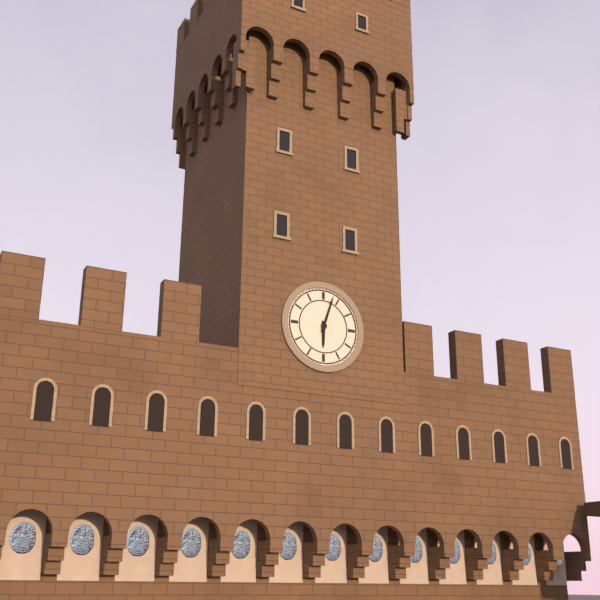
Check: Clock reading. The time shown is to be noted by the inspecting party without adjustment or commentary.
6:03
